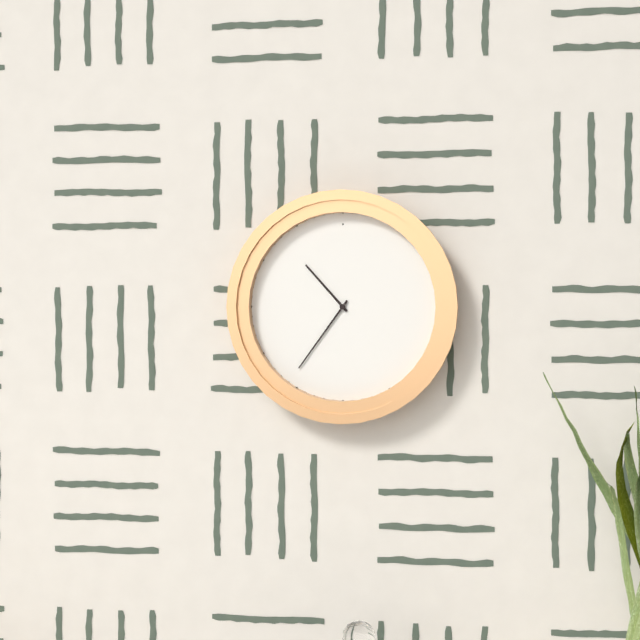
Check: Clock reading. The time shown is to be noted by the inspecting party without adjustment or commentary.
10:36
